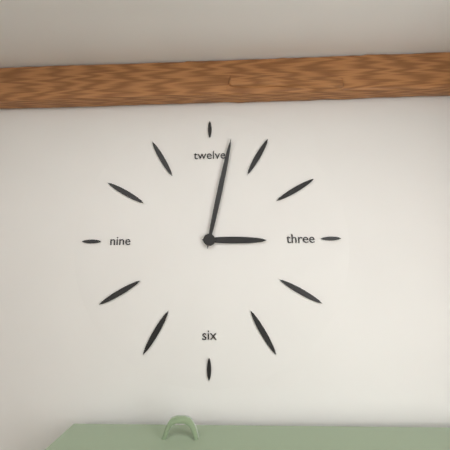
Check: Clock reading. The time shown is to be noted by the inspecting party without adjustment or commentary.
3:02
